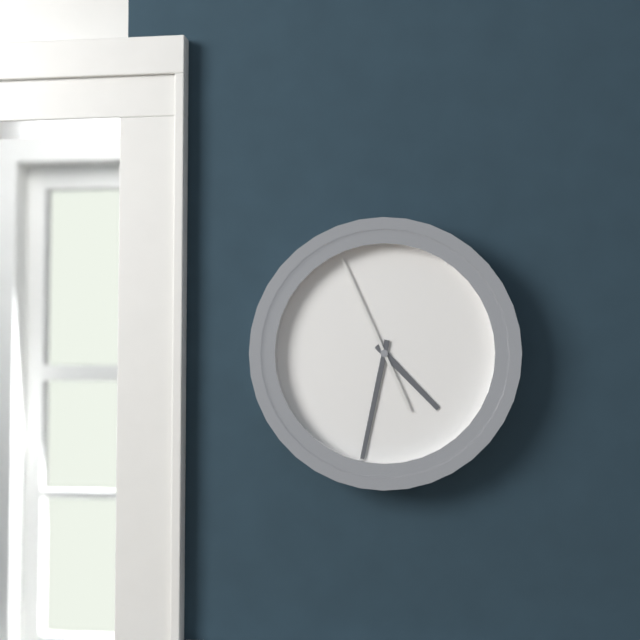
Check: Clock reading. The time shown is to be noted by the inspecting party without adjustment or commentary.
4:32:56
